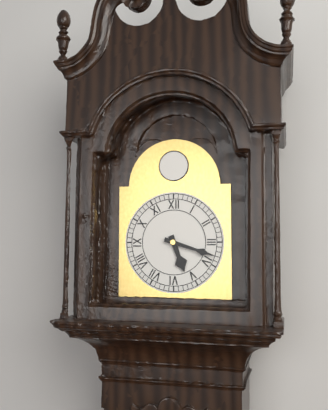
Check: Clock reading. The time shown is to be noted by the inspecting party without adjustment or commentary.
5:18
